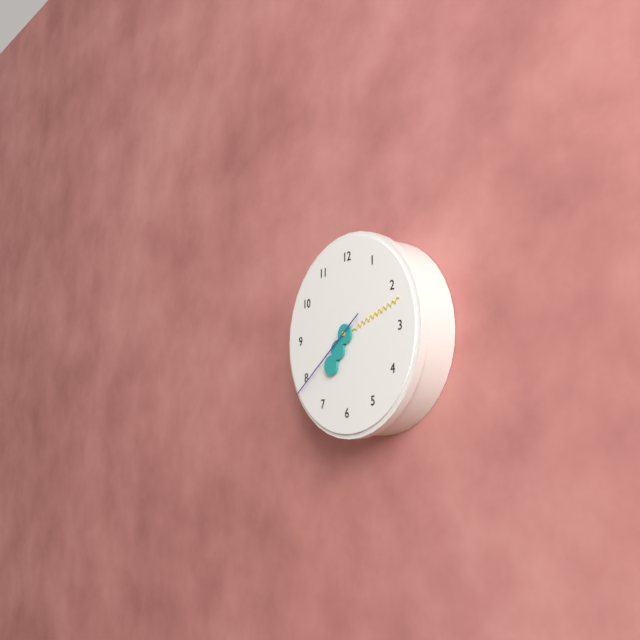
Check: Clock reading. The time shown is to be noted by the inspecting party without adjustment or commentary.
7:12:39
